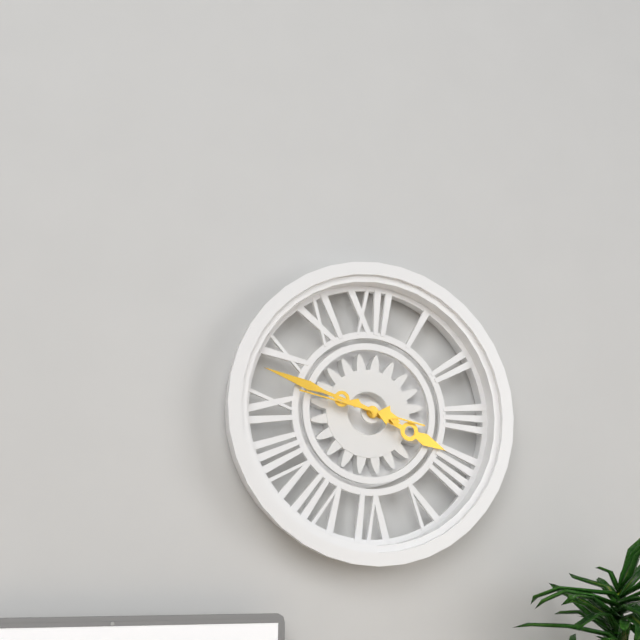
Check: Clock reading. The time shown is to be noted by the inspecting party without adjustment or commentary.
3:48:47
